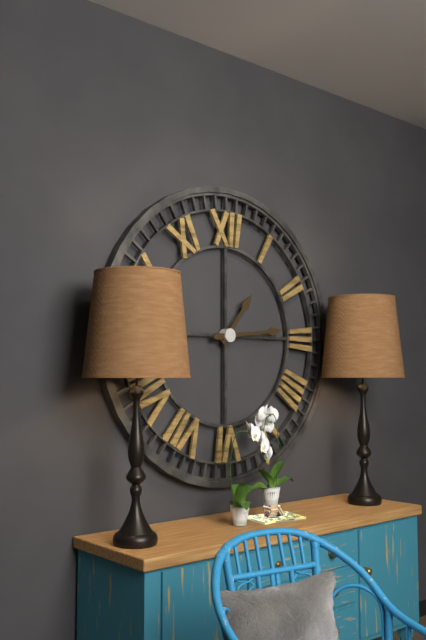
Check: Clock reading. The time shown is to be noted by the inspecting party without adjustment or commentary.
1:14
